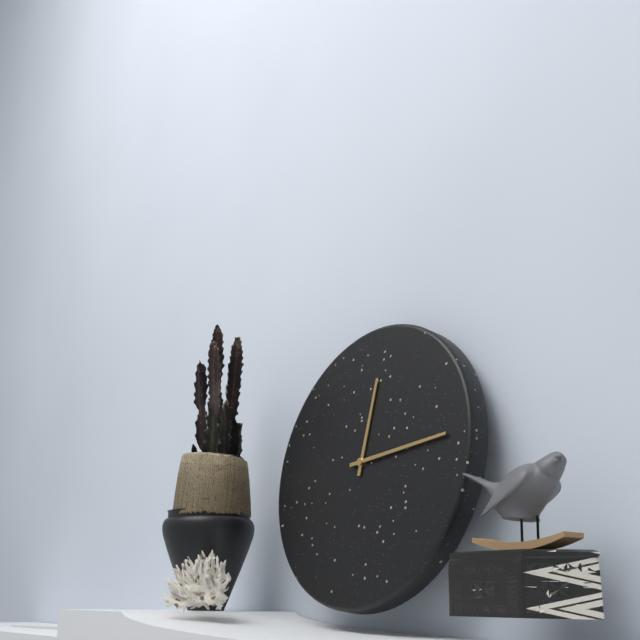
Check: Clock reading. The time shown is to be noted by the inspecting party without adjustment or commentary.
12:14
